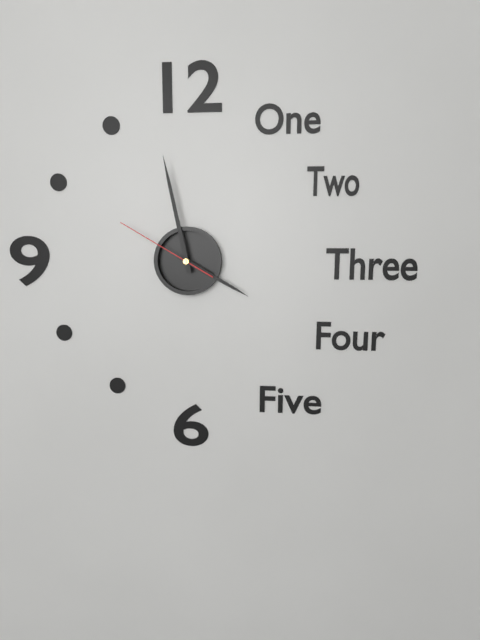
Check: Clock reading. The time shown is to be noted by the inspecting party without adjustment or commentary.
3:58:50
